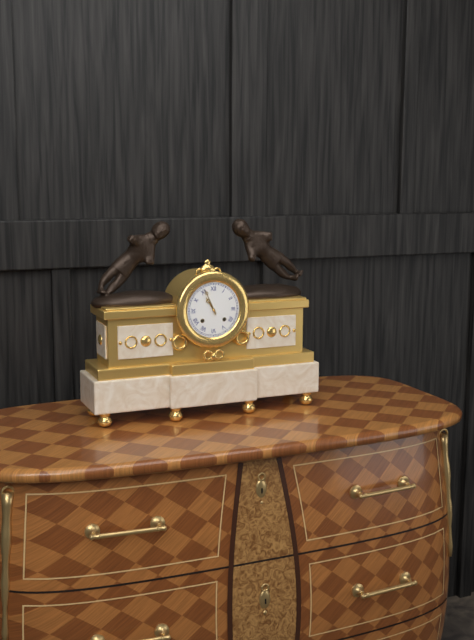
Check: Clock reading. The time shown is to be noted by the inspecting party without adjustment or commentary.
10:56
